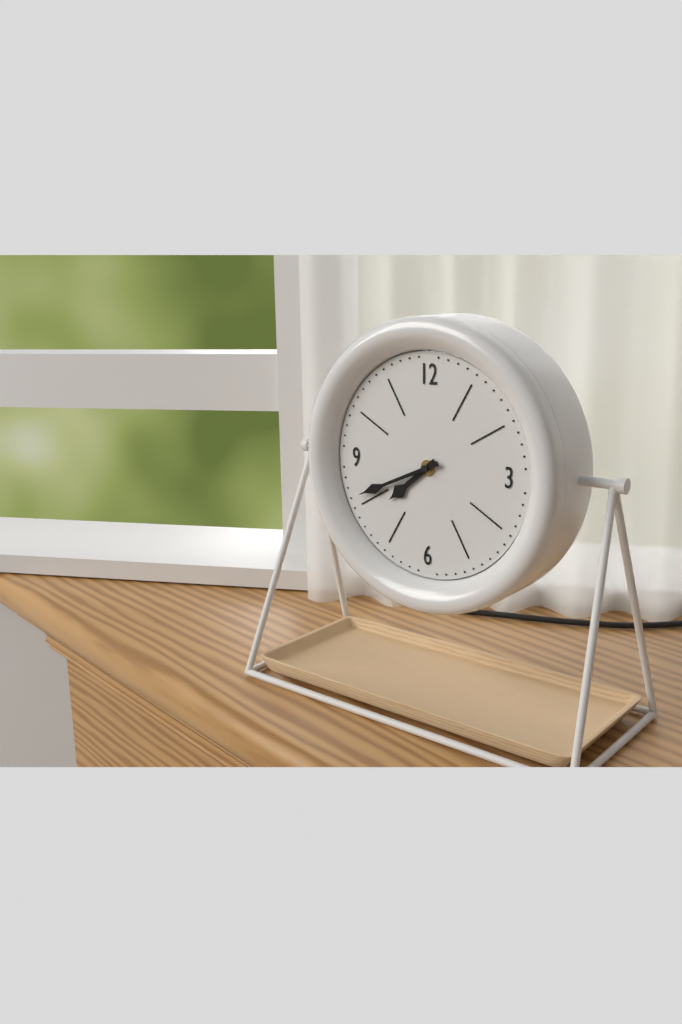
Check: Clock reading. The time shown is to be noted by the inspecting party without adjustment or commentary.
7:41
